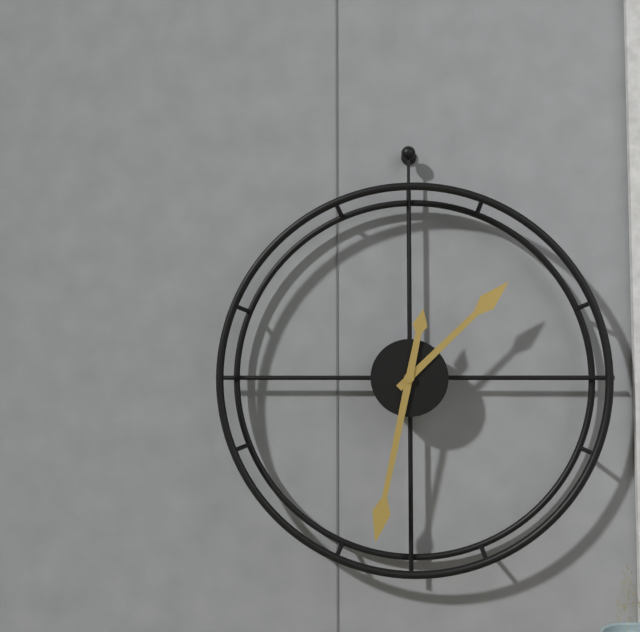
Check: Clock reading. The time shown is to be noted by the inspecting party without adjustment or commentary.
1:32
